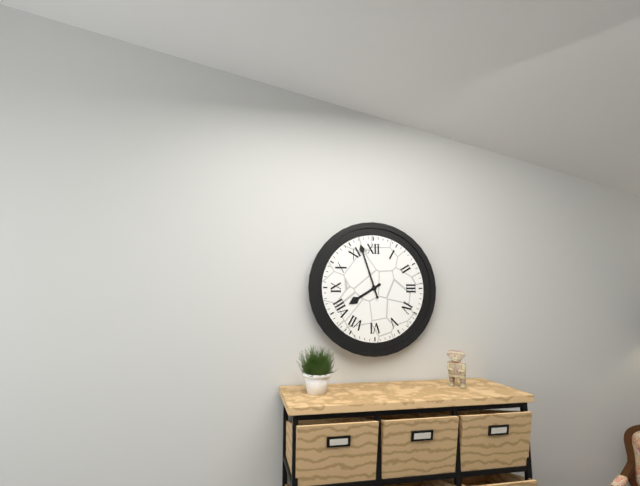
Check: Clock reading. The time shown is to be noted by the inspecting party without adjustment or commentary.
7:57
